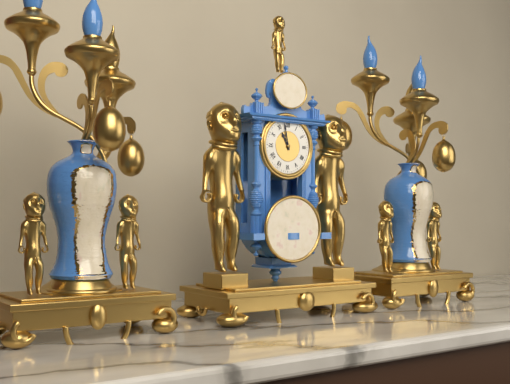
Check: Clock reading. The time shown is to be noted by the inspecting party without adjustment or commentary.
10:58
